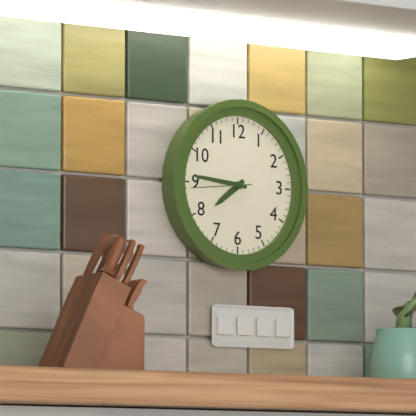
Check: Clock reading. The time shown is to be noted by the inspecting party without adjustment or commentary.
7:46:44
